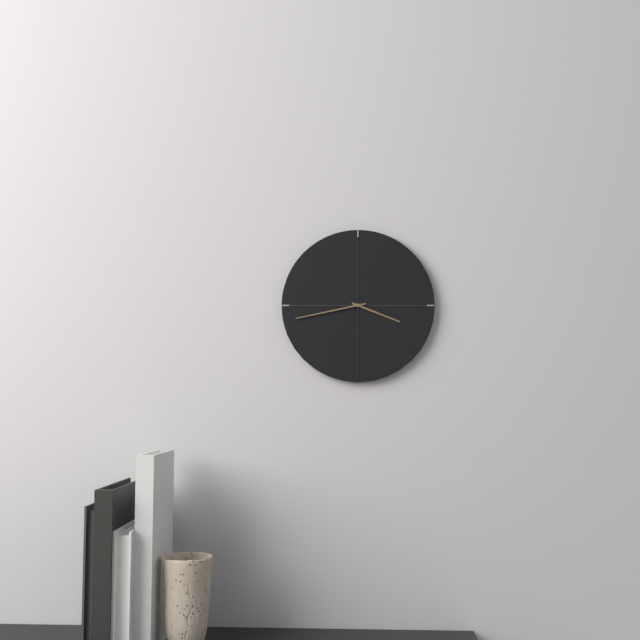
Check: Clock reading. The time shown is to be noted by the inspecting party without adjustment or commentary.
3:43
